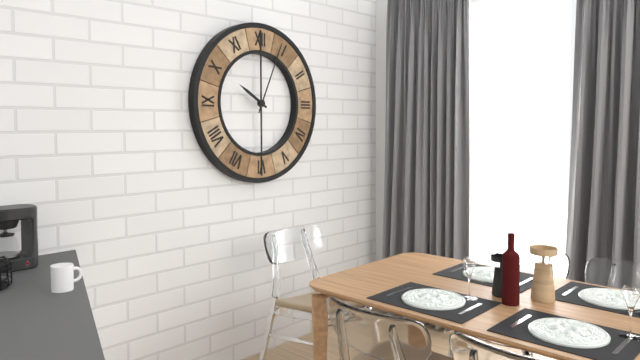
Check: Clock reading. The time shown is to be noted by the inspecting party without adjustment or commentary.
10:04
